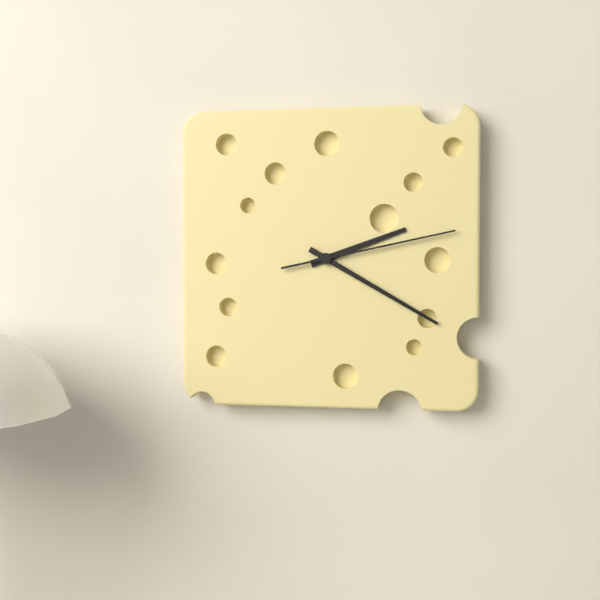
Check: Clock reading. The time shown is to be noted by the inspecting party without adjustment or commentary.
2:20:13
